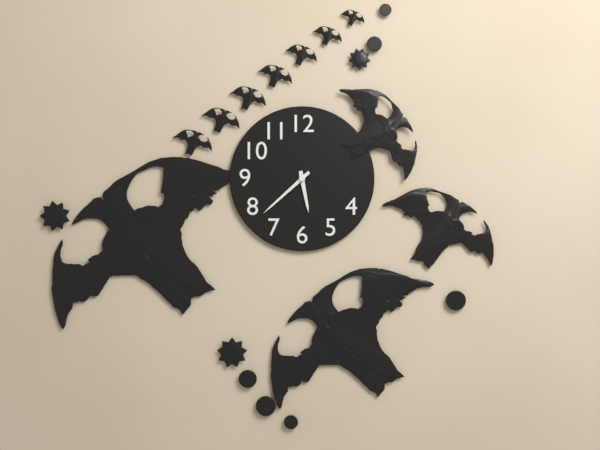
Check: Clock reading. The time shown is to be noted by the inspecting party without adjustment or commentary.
5:38
